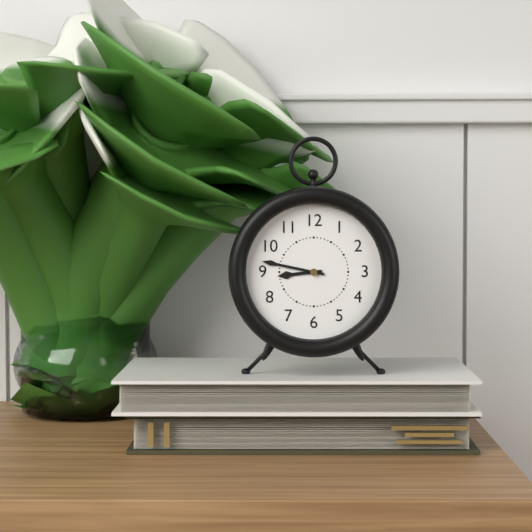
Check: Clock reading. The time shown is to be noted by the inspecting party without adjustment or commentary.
8:47
